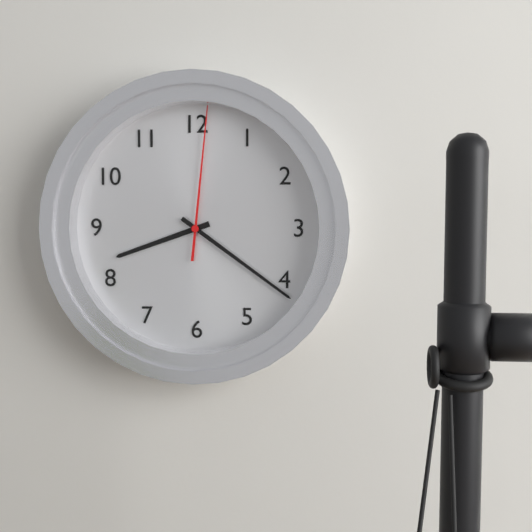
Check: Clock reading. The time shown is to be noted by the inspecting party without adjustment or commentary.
8:21:01
